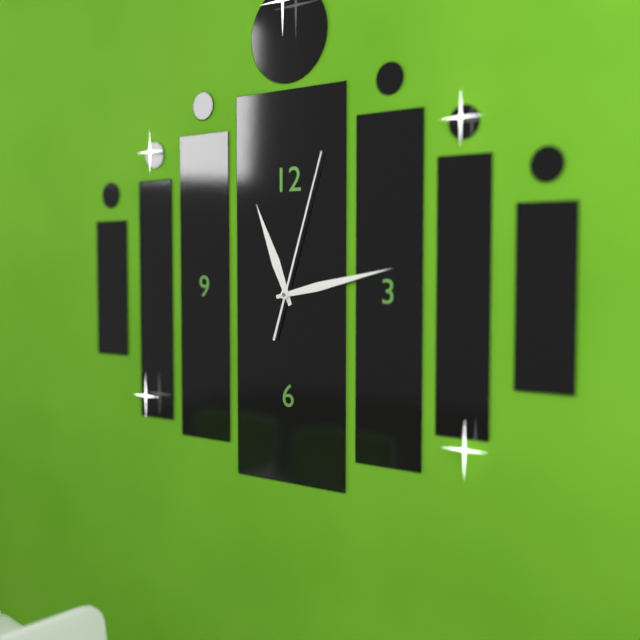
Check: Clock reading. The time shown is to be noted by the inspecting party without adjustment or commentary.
11:13:03
